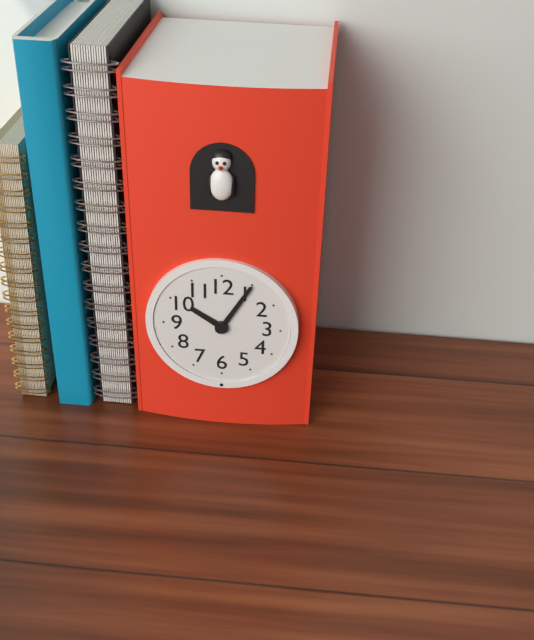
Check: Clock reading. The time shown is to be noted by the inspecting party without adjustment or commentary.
10:05
